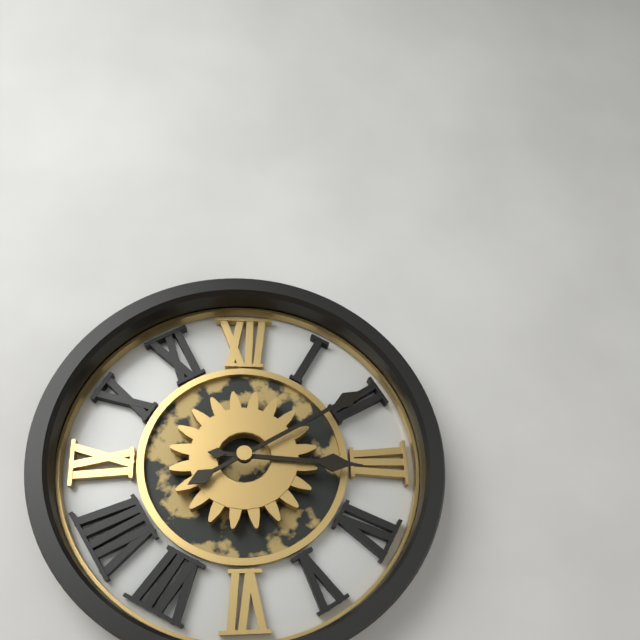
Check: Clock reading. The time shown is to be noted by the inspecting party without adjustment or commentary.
3:10
